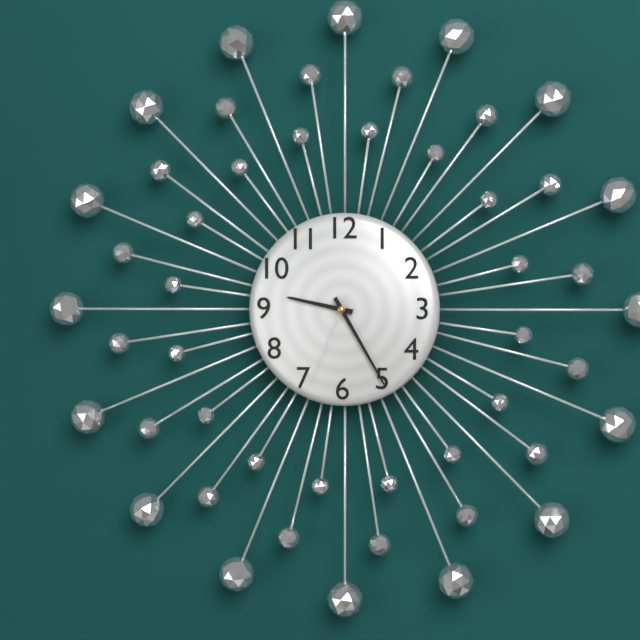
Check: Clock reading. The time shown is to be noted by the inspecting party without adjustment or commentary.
9:25:34
